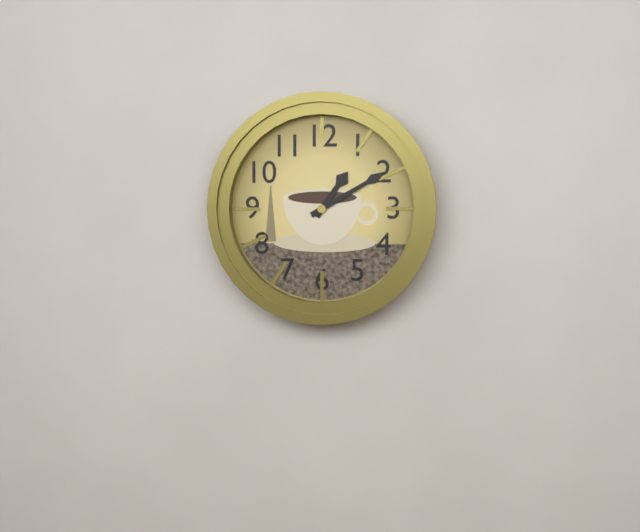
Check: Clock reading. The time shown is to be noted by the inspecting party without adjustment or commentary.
1:10
